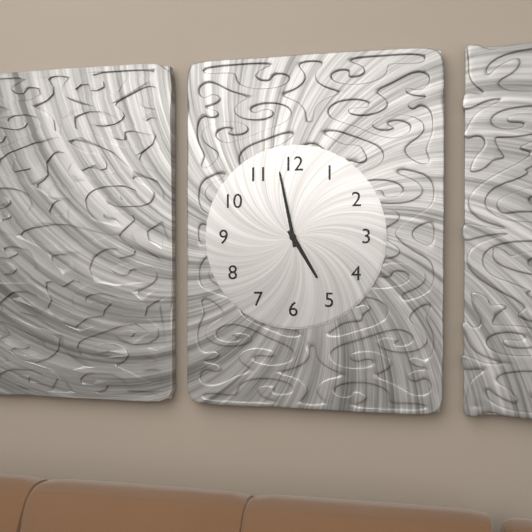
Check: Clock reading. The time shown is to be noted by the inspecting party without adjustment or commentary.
4:58
